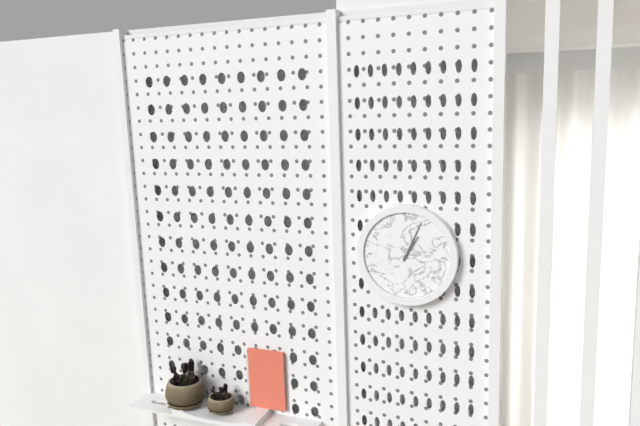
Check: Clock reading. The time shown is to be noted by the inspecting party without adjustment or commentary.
1:04
